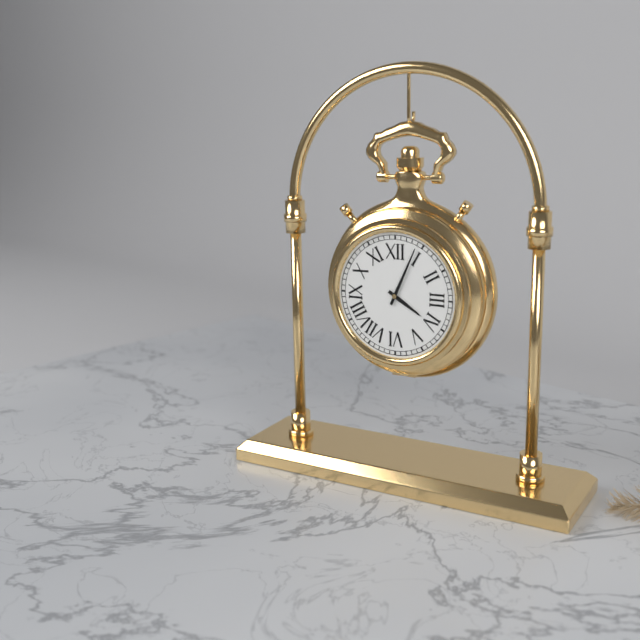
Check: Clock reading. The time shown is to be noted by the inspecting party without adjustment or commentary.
4:04
